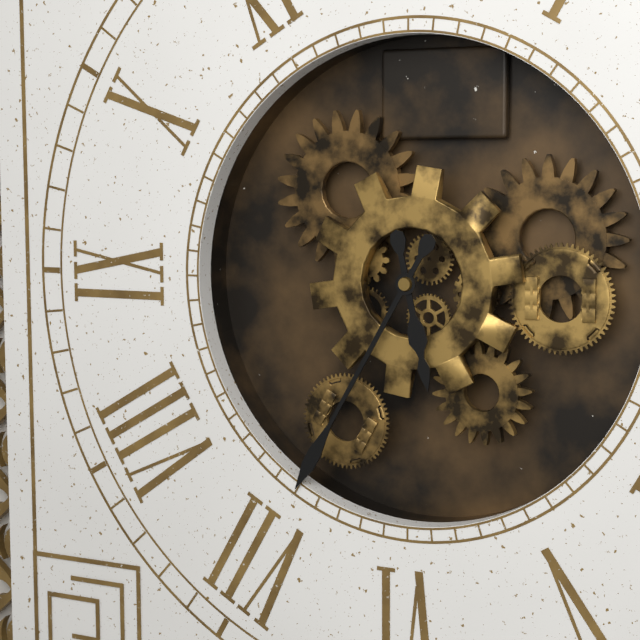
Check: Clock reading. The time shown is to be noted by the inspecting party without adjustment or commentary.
5:35
